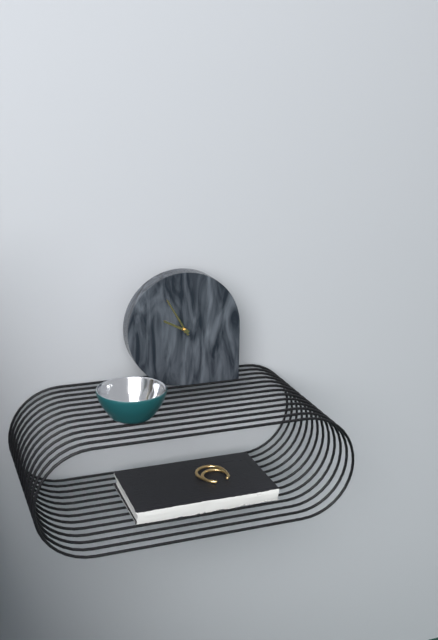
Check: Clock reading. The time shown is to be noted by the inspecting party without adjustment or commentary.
9:55
